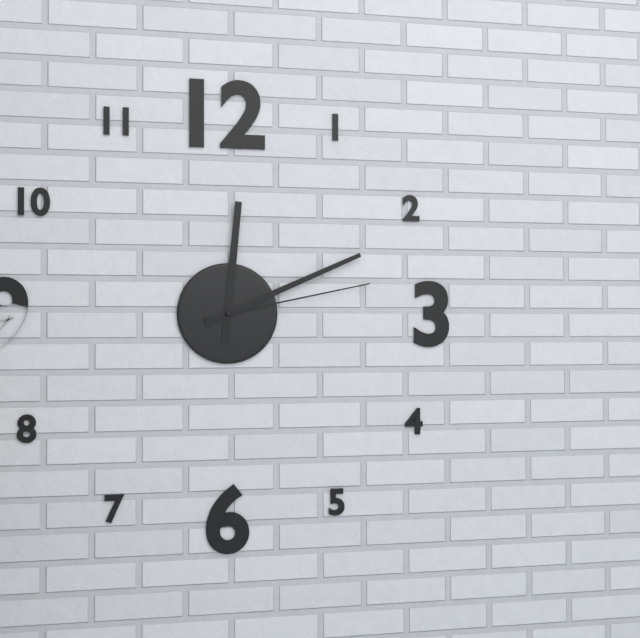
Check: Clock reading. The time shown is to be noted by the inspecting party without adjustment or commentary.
12:11:13
